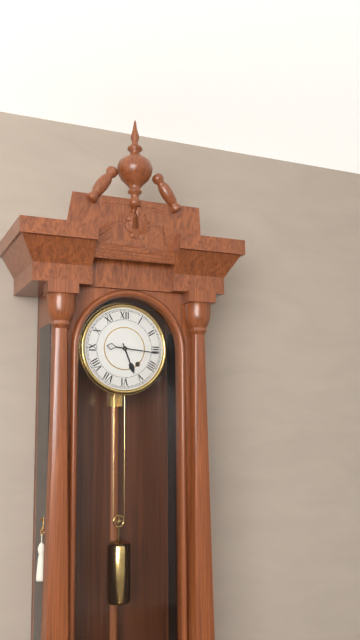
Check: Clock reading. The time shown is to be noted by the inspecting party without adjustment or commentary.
5:16
